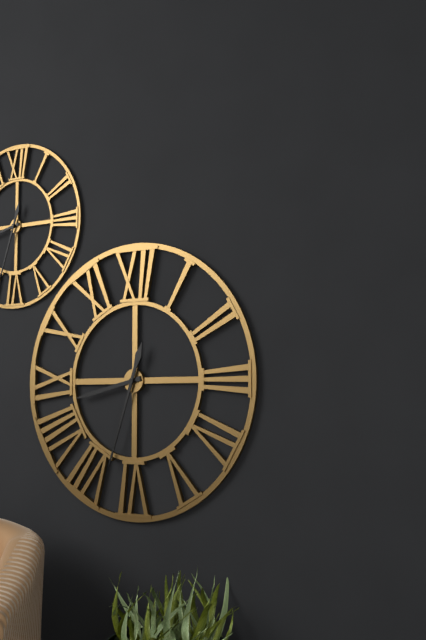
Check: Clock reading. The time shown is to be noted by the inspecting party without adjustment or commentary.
8:33
